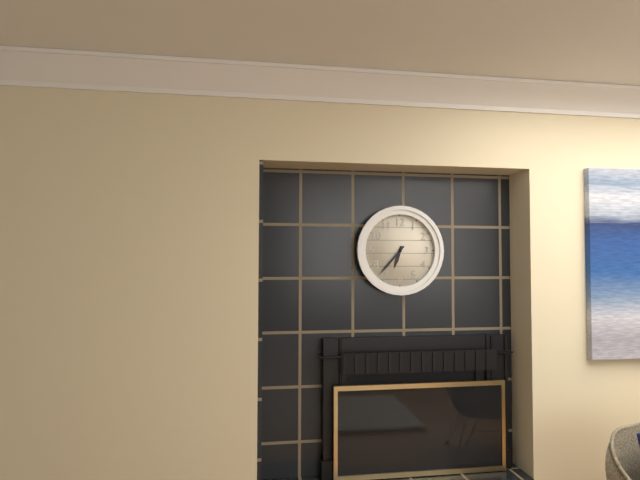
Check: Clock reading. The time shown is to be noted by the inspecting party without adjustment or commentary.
6:37
